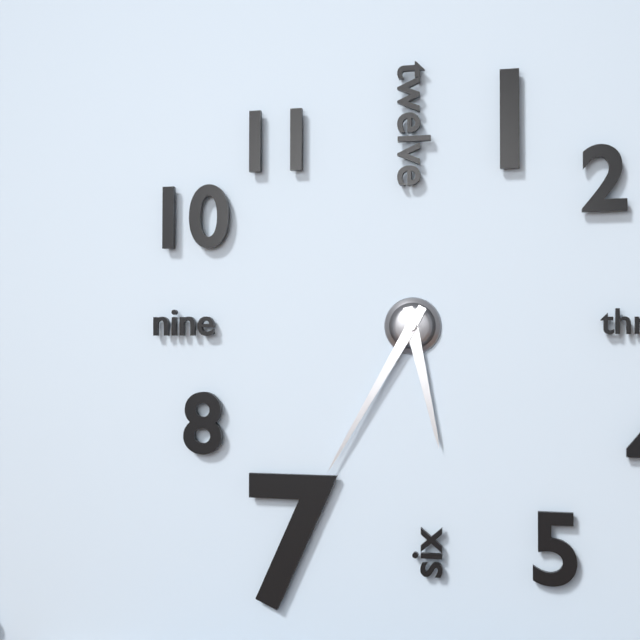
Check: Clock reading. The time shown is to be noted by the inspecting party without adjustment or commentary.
5:35
